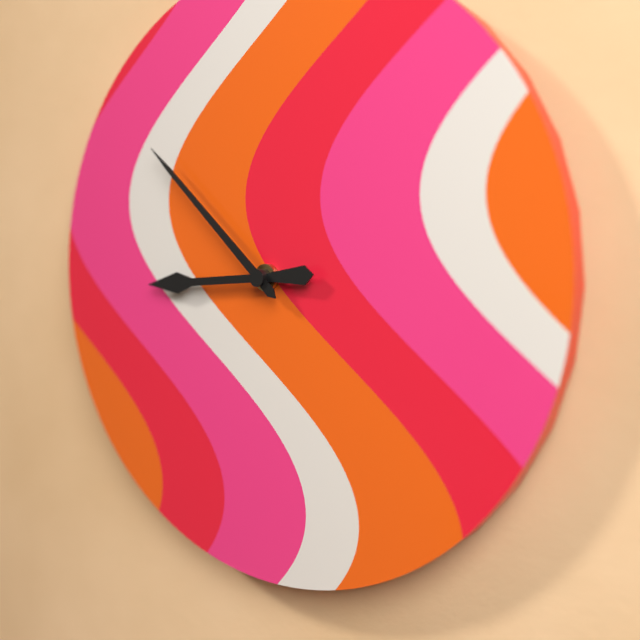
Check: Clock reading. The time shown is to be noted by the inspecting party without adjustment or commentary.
8:52
